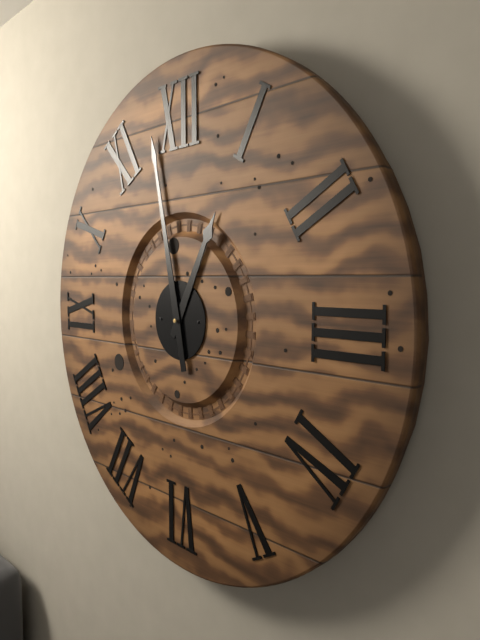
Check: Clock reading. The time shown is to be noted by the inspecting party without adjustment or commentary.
12:58
